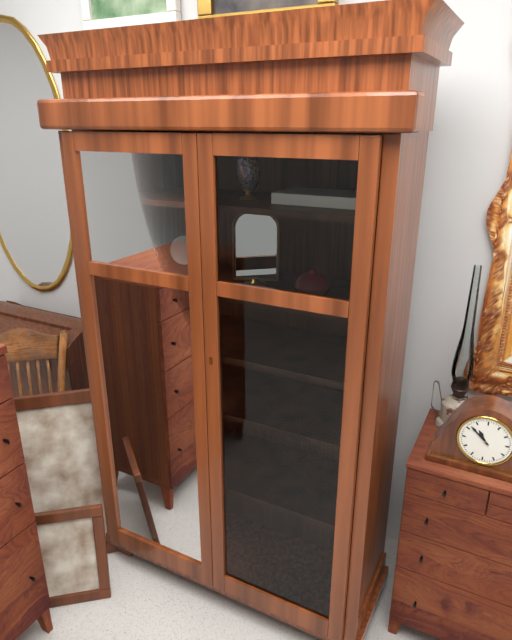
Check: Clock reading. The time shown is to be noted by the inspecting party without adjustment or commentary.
10:52
